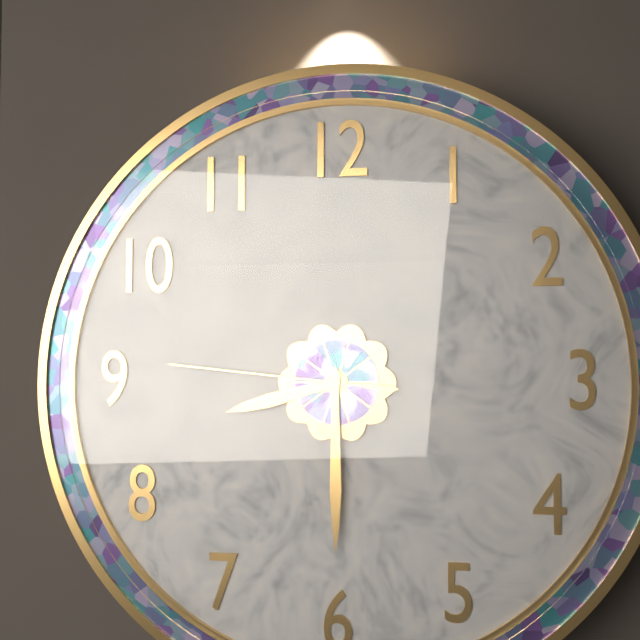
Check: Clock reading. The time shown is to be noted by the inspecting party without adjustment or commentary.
8:30:46
